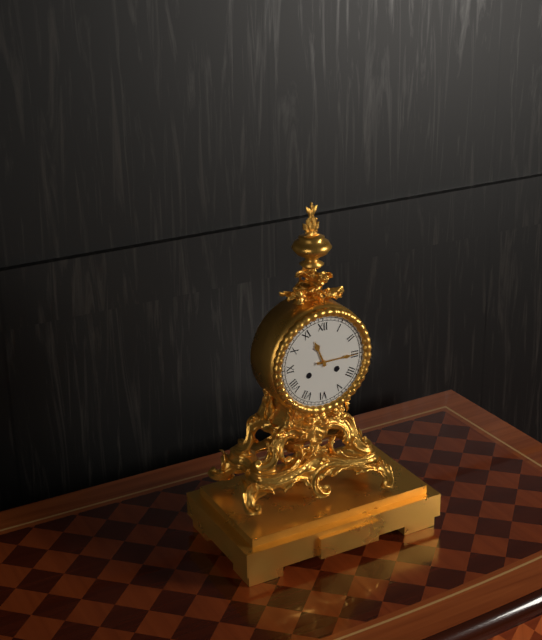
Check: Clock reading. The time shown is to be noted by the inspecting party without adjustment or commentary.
11:15
